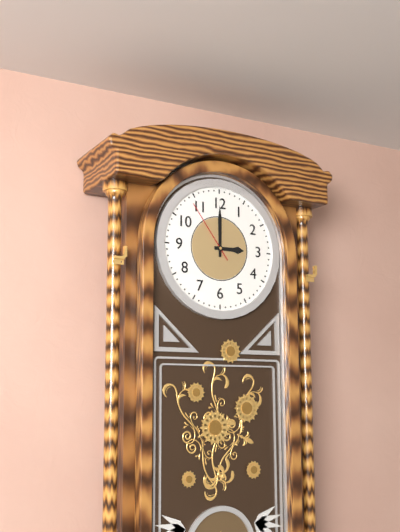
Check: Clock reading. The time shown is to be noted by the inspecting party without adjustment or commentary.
3:00:54
